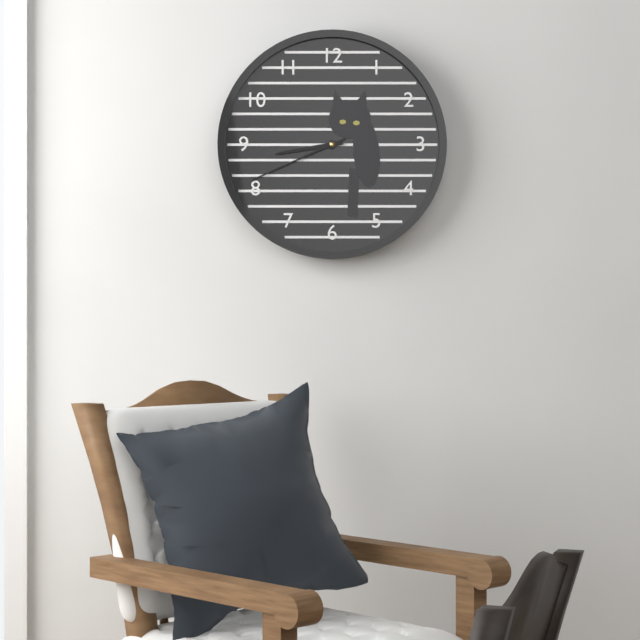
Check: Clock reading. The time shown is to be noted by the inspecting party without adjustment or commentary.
8:41
